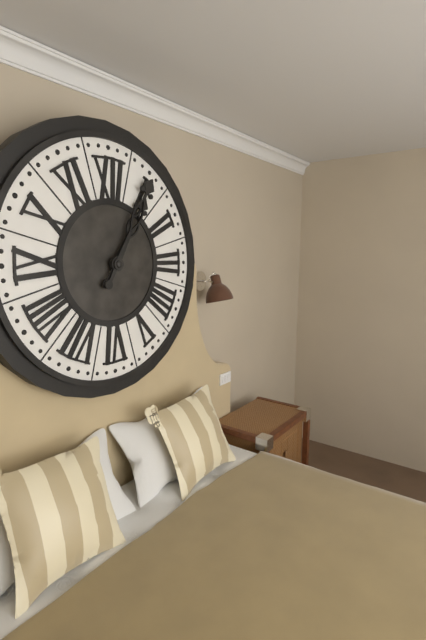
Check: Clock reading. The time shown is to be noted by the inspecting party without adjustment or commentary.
1:05
